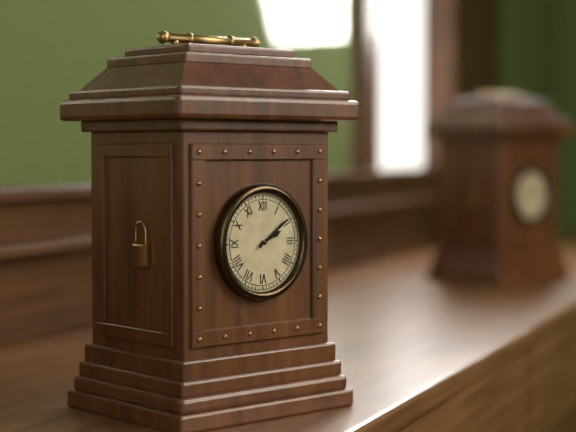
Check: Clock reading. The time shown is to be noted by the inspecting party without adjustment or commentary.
2:09
